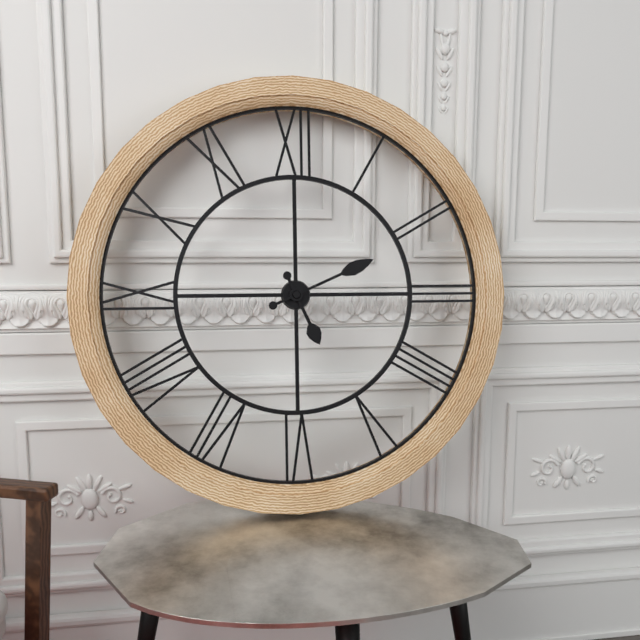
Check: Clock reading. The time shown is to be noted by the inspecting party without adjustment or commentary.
5:11
